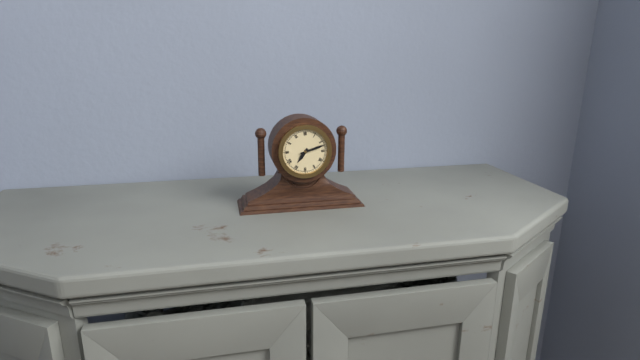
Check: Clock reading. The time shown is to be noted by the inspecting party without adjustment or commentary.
7:12
